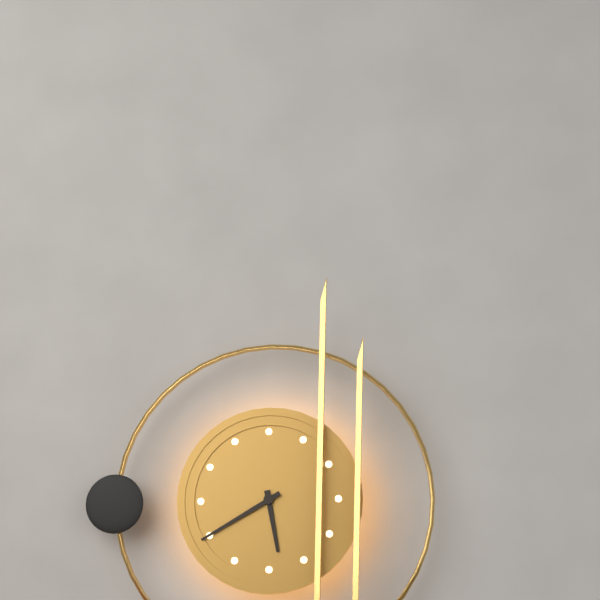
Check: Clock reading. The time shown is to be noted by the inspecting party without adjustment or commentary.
5:40
